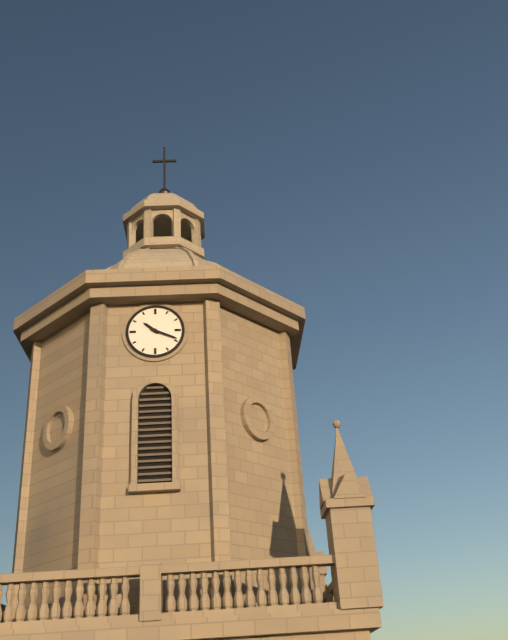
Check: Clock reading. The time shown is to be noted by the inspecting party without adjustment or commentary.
10:19
